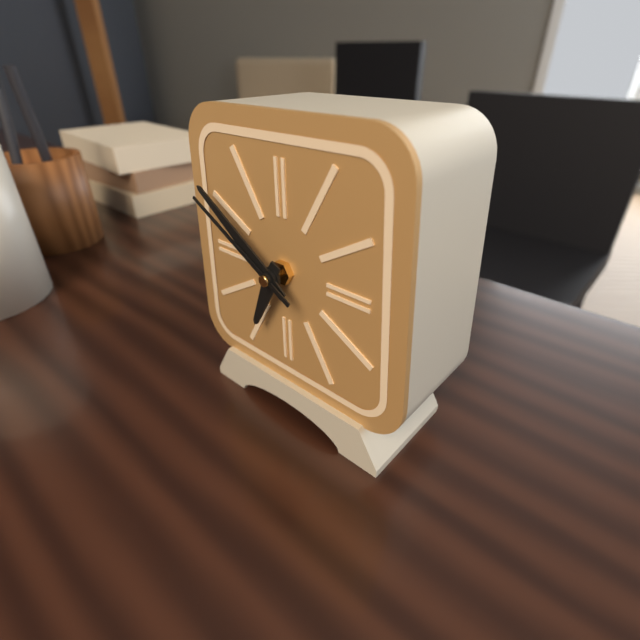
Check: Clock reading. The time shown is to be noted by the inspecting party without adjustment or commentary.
6:51:50
